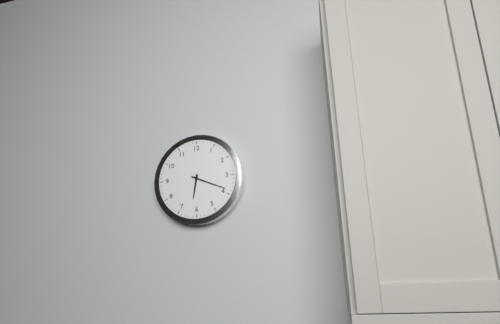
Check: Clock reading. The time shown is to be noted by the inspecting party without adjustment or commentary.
6:19
